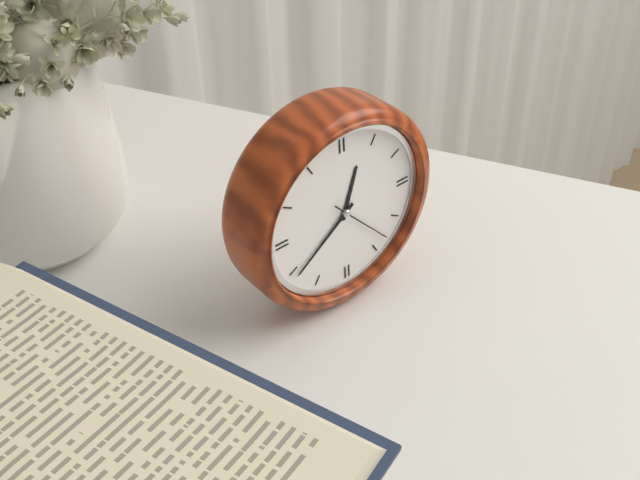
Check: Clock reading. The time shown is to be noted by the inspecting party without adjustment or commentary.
12:39:23
